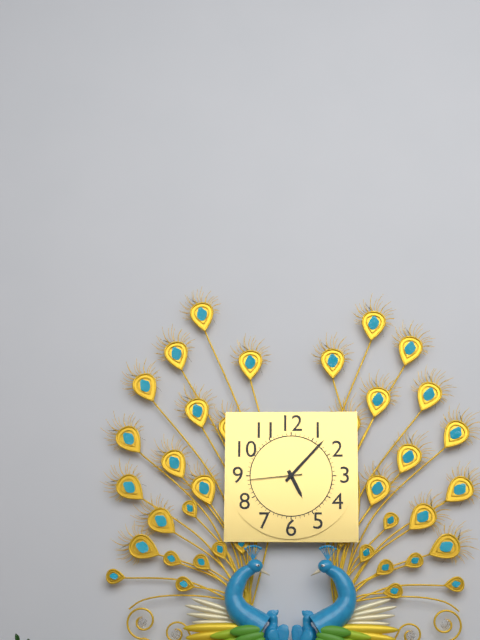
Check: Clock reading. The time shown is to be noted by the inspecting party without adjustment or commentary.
5:07:44
